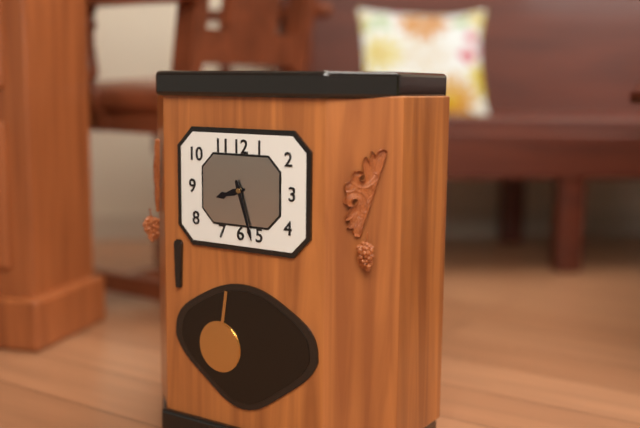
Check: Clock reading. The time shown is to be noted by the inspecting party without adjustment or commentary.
8:27
